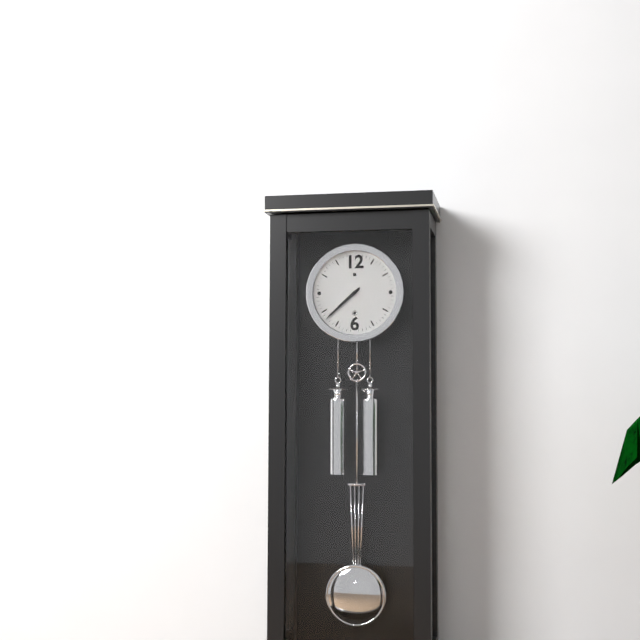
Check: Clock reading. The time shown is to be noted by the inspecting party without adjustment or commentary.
7:38
